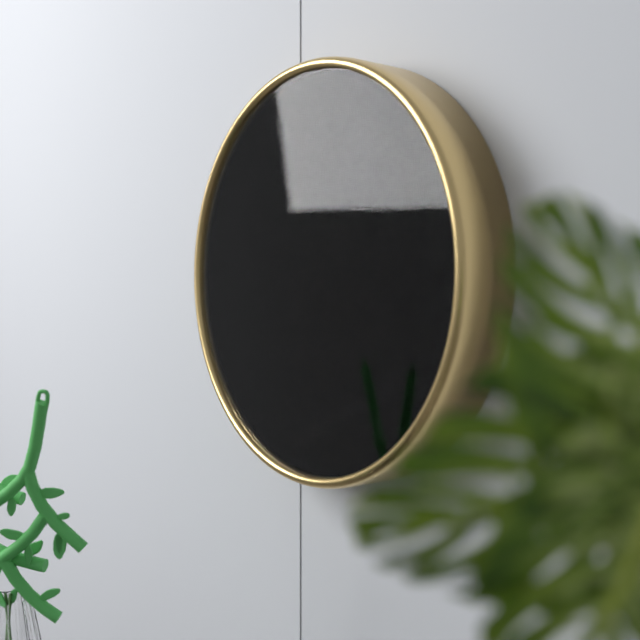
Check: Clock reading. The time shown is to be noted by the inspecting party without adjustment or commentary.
4:47
